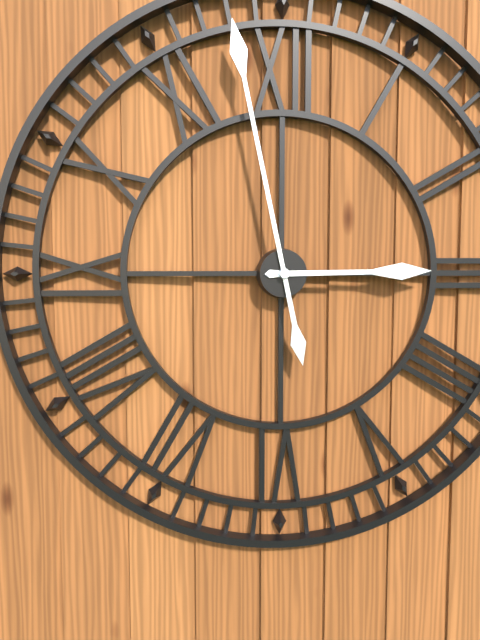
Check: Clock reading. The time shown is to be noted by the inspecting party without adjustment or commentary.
2:58
